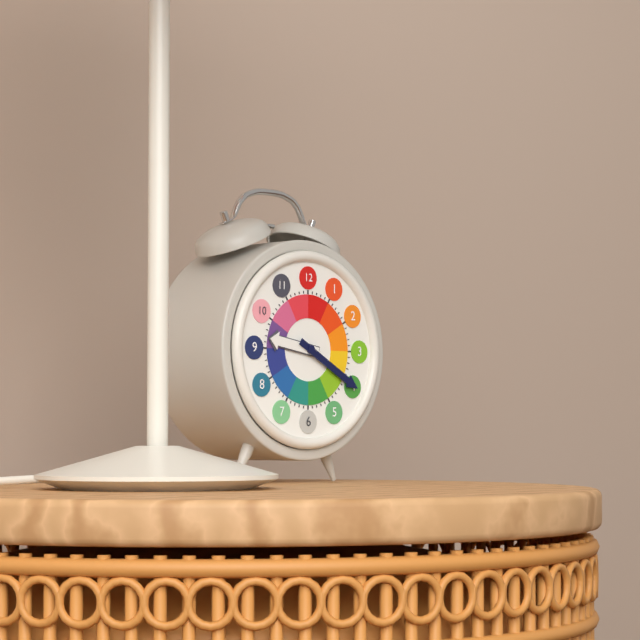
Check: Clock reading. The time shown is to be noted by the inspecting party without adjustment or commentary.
9:20
